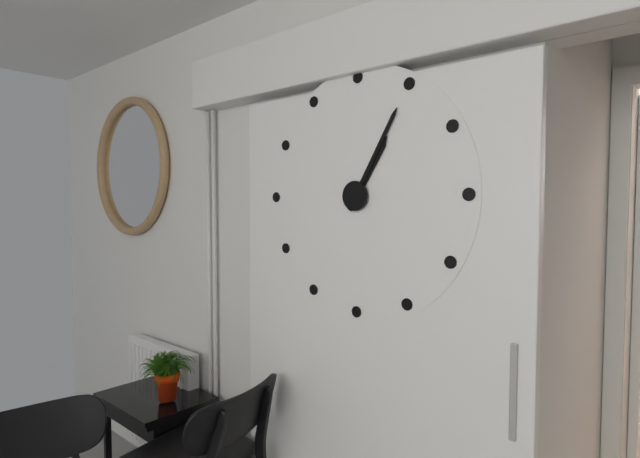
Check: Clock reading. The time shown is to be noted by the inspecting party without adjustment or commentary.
1:05
